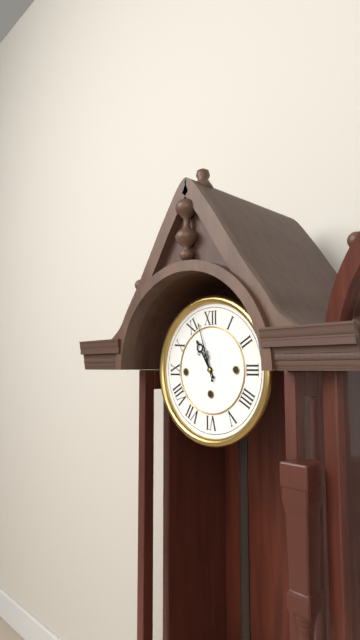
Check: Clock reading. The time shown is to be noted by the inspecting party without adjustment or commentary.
10:57
